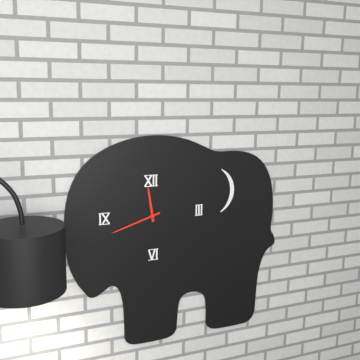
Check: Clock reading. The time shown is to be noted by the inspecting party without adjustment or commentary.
11:42
